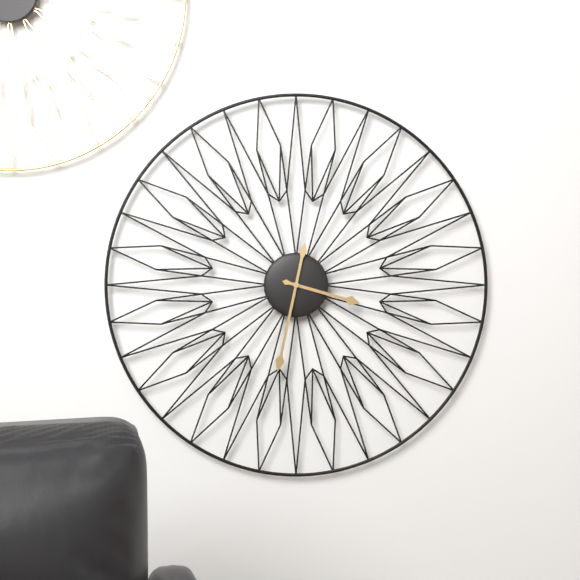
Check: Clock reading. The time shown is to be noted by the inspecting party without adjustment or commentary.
3:32
